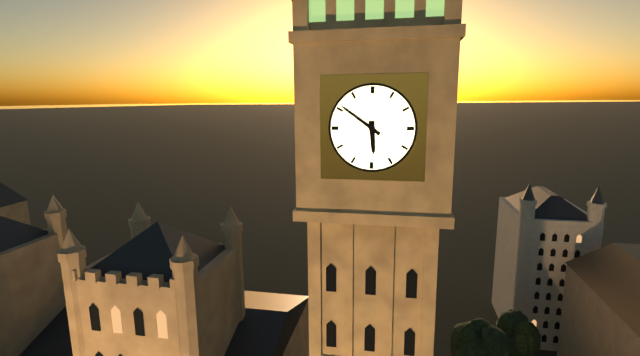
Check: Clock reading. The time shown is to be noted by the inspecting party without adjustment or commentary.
5:51
